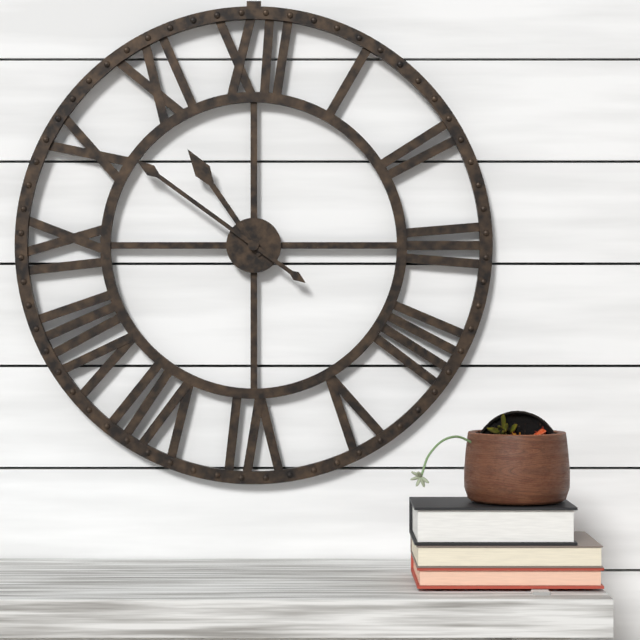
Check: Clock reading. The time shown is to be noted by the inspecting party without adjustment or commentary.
10:51
